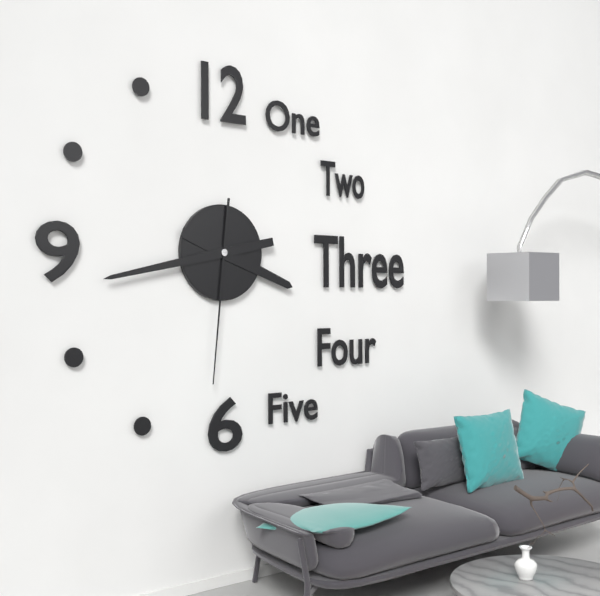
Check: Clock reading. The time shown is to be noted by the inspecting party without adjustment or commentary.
3:43:31
